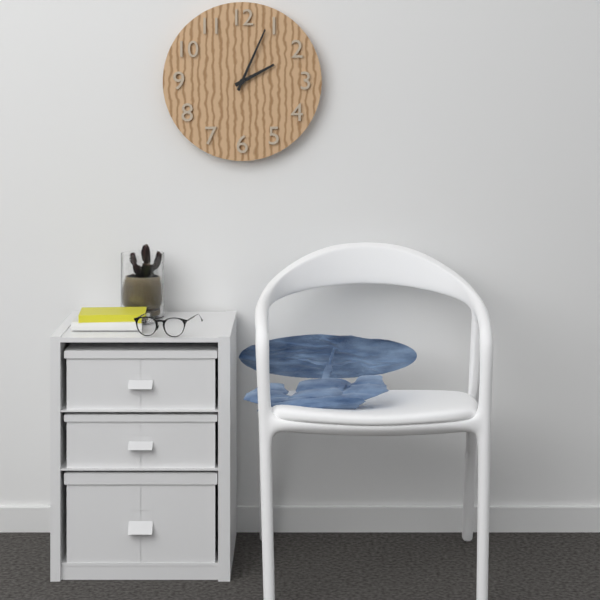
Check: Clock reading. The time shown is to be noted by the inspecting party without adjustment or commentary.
2:04
